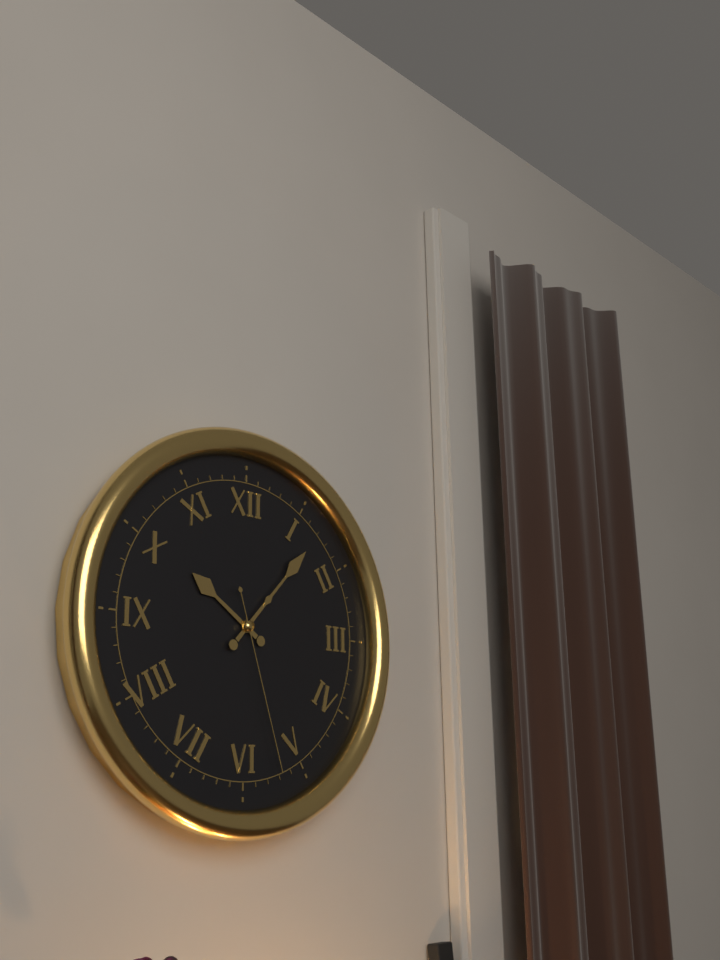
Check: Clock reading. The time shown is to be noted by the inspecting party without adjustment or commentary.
10:07:27
